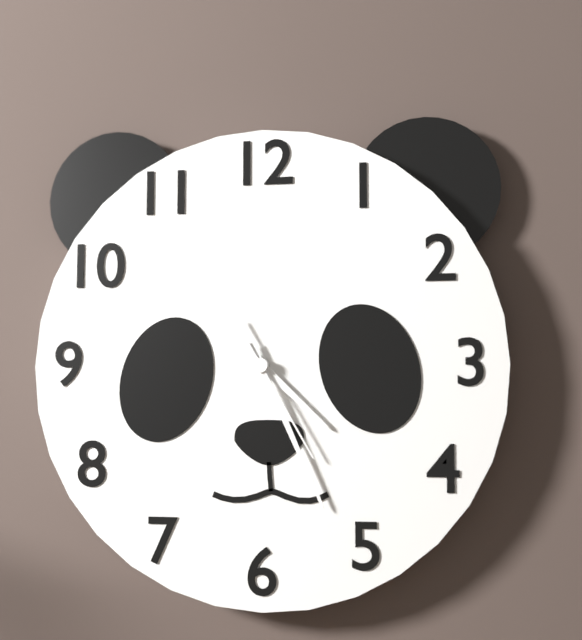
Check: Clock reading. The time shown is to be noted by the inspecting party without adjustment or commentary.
4:26:25
